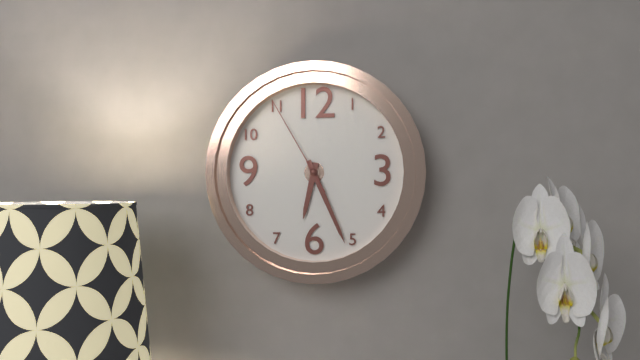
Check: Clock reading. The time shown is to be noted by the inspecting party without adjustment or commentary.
6:26:55
